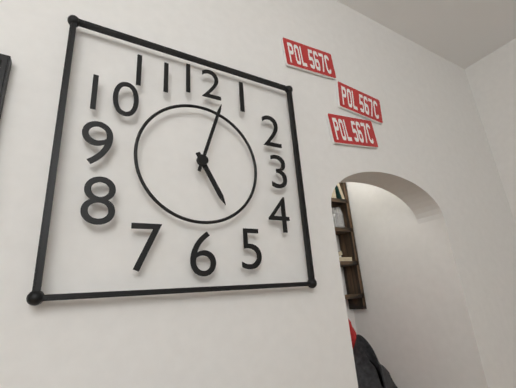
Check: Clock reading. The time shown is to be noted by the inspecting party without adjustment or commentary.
5:03
